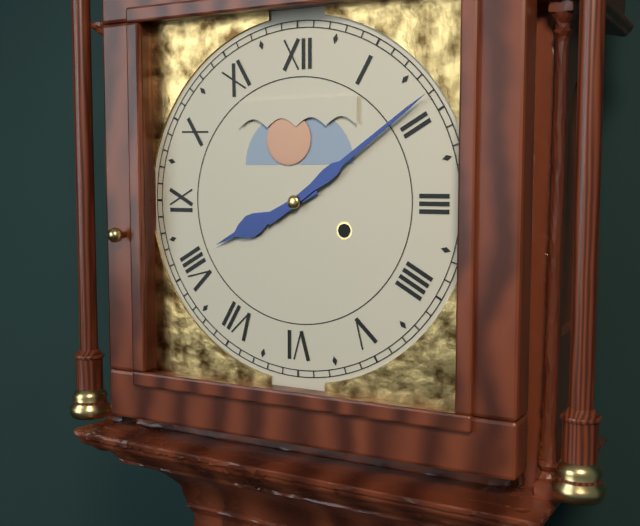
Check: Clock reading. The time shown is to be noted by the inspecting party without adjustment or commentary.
8:09
